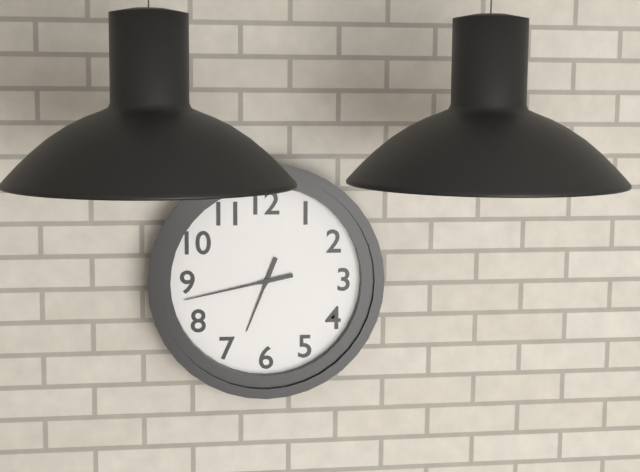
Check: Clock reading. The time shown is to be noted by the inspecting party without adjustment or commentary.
6:43
